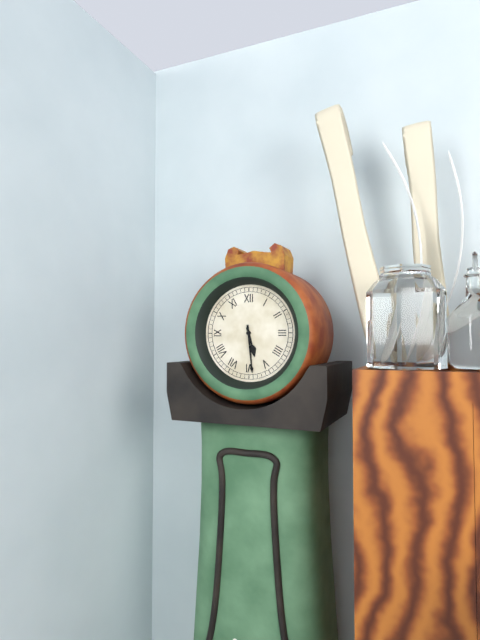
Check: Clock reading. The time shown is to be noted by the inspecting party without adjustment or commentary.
5:29
